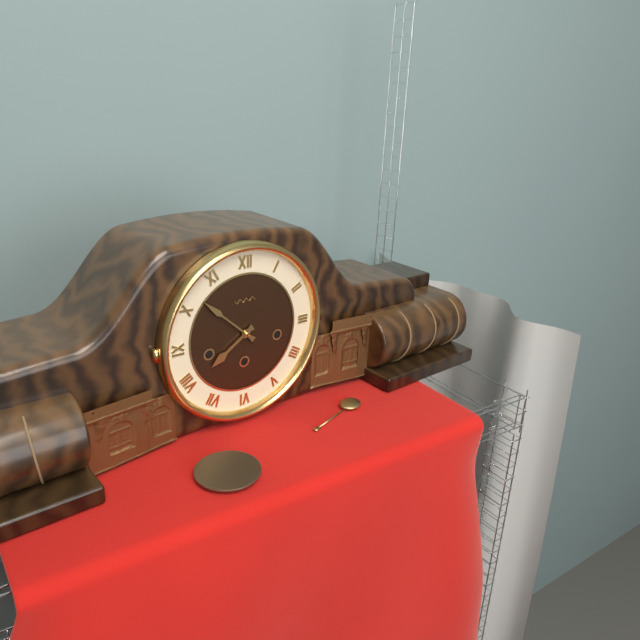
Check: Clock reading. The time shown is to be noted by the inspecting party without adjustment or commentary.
7:52
